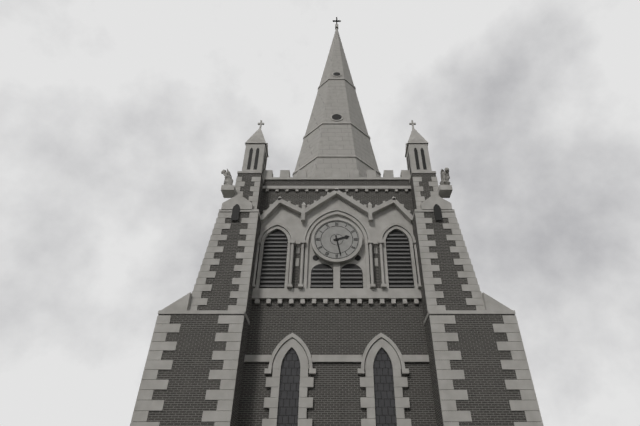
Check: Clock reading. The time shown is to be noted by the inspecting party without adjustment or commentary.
2:28
